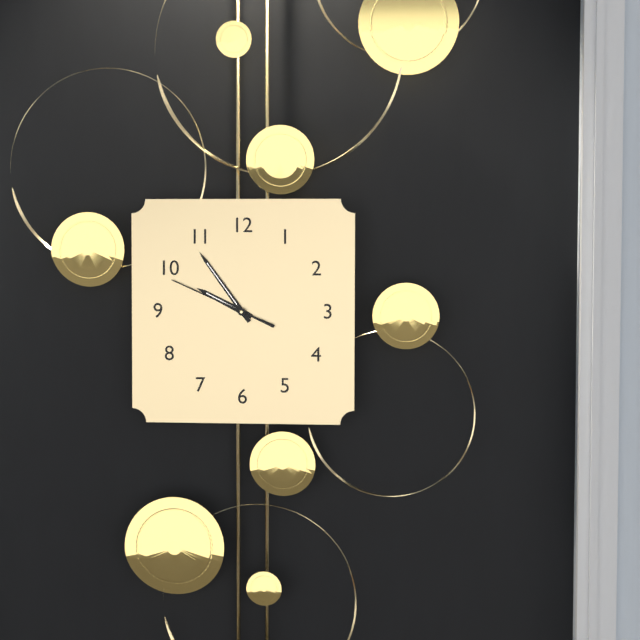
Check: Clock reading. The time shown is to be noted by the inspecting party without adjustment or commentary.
9:54:49
